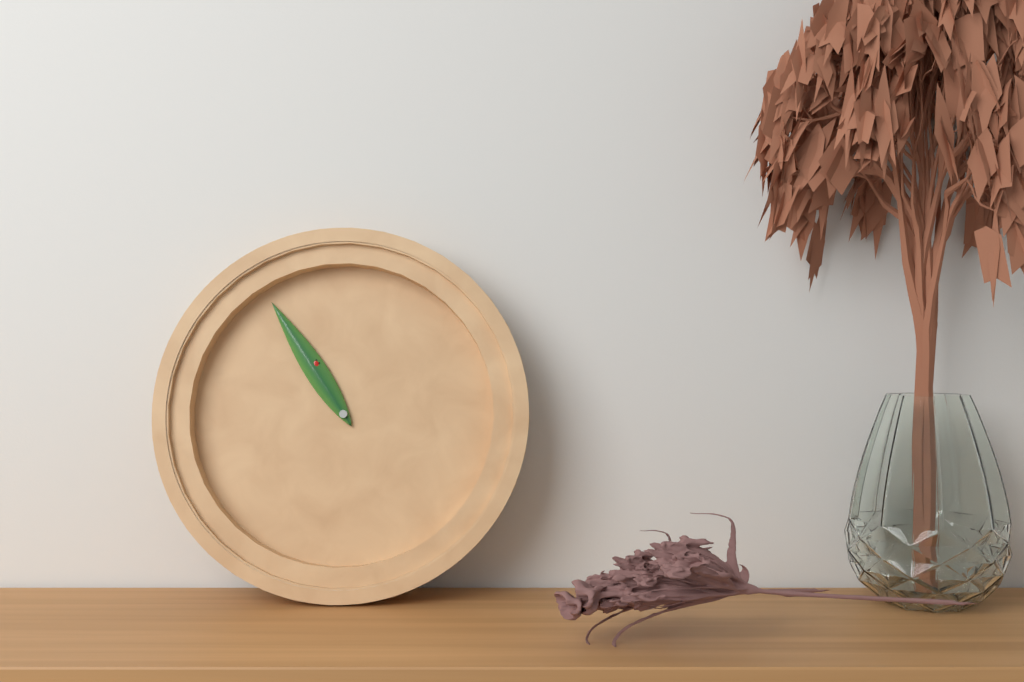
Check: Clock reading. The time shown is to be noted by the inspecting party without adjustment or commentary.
10:54
